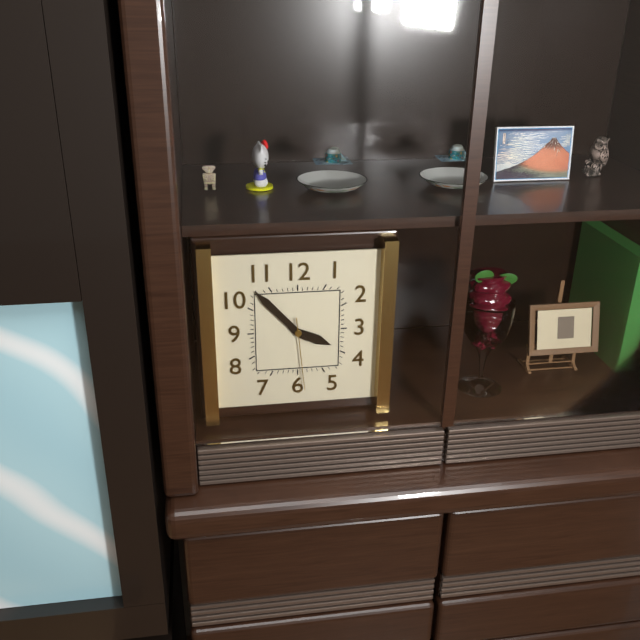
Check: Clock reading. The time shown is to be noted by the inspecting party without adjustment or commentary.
3:53:29
